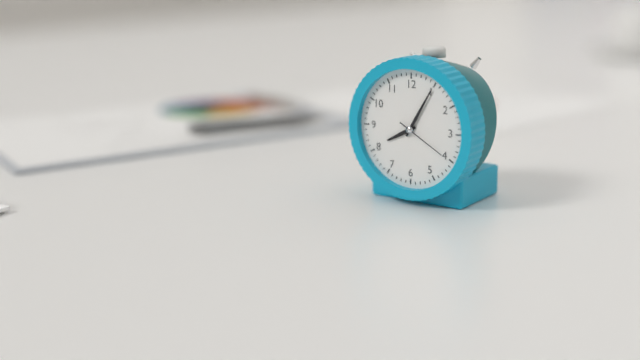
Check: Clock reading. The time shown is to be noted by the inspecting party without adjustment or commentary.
8:05
